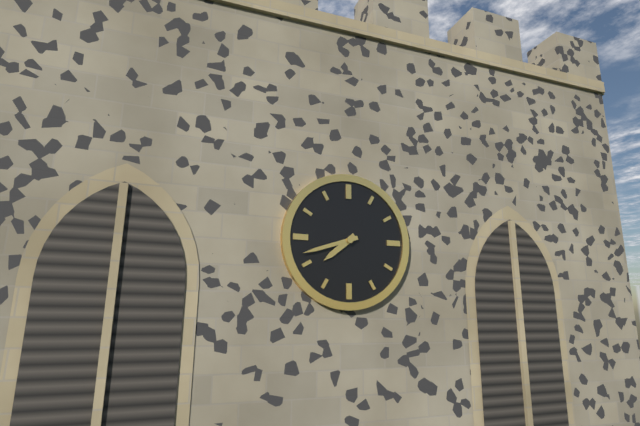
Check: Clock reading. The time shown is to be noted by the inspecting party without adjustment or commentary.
7:42
